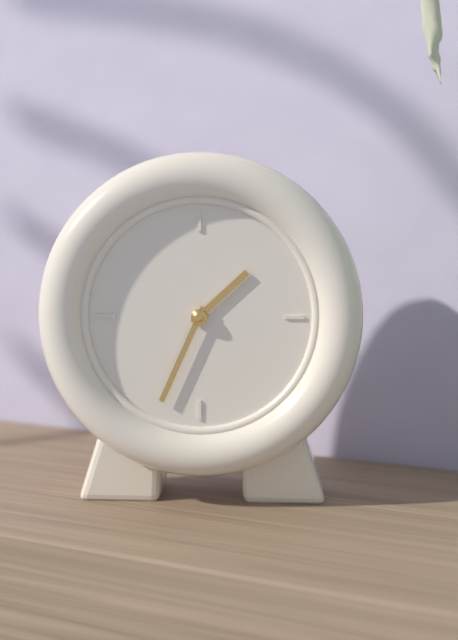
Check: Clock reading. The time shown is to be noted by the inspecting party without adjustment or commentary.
1:34
